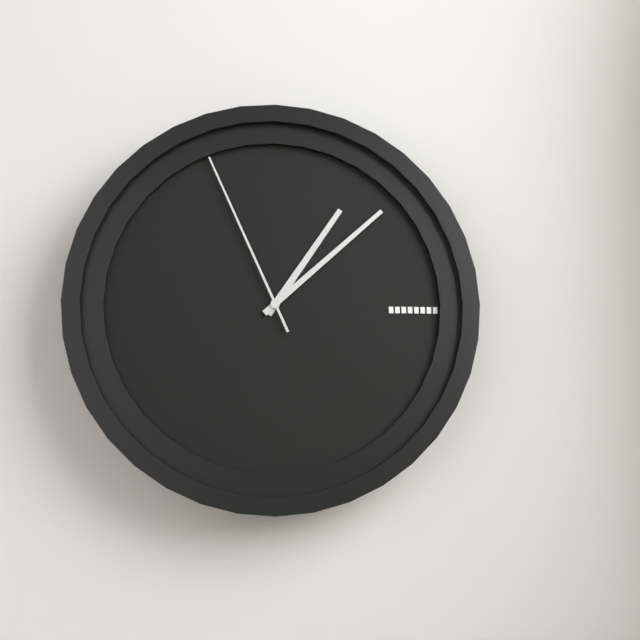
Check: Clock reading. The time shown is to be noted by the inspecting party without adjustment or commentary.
1:08:56
